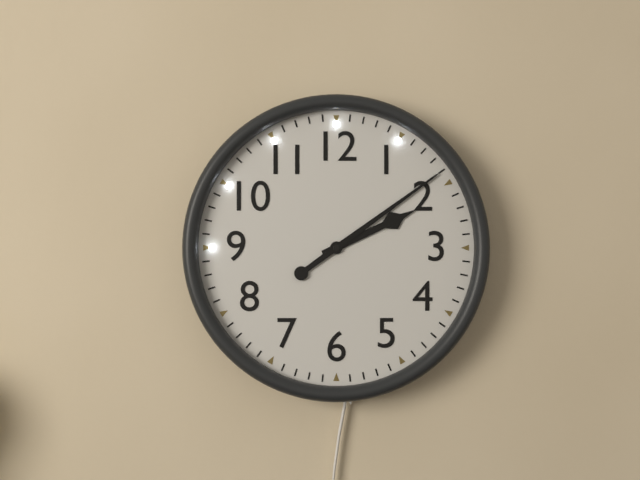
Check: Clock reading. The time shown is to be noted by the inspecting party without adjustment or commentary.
2:09
